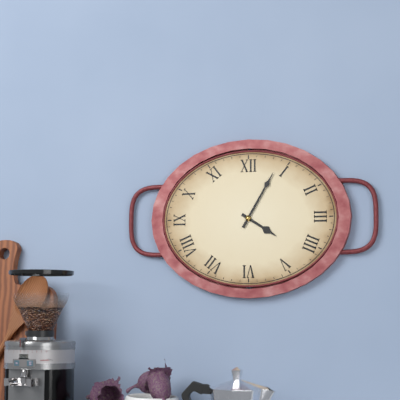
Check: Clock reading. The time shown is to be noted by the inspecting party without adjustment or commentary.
4:05
